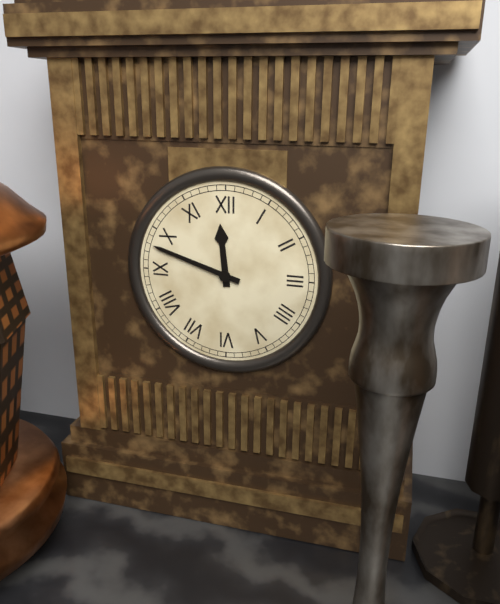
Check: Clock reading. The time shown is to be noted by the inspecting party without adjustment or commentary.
11:48
